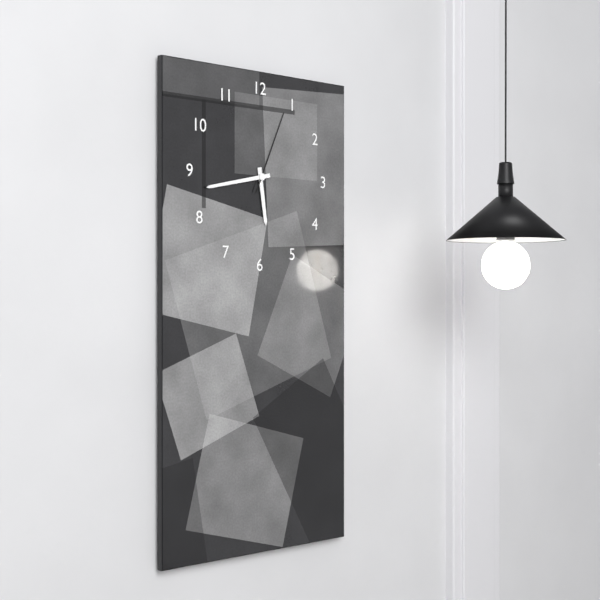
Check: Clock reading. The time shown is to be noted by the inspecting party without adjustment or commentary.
5:43:04
